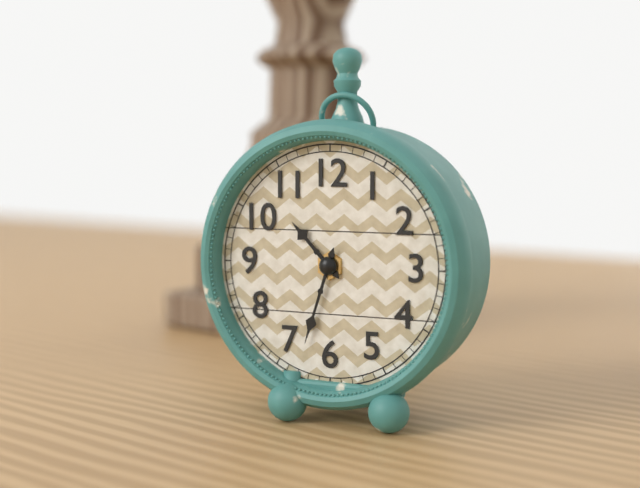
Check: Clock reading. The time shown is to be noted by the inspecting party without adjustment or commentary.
10:33
